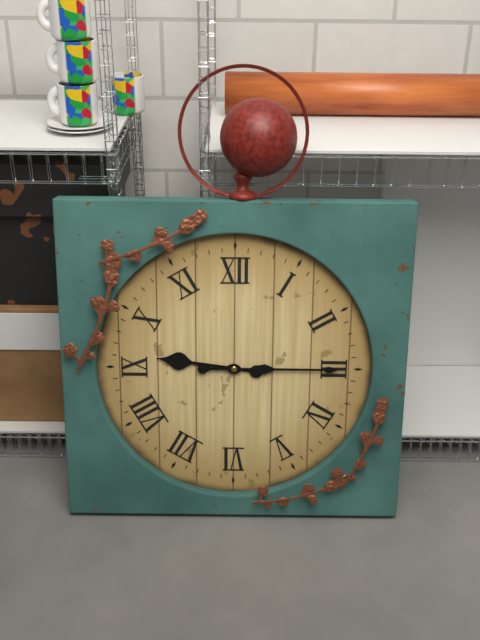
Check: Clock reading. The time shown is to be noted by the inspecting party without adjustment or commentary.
9:15
